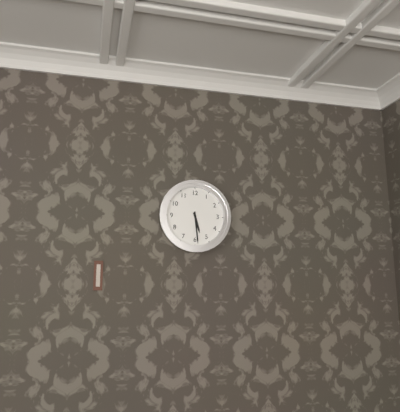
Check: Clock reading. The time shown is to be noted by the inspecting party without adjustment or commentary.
5:29
